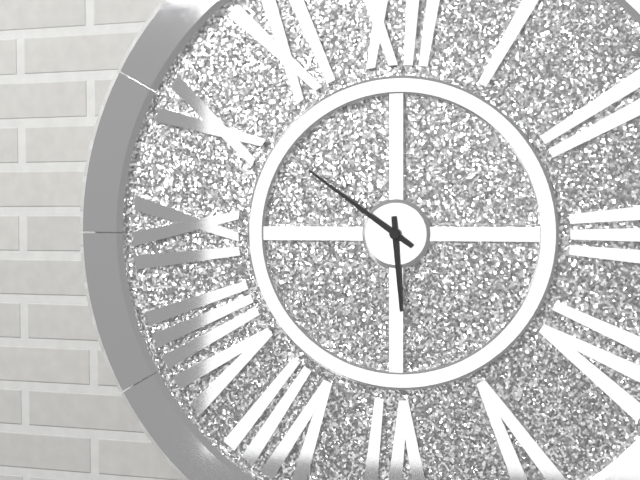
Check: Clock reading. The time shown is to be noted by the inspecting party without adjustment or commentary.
5:51
